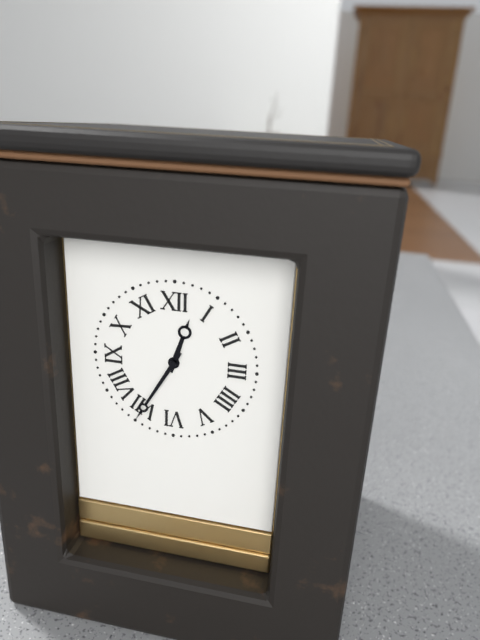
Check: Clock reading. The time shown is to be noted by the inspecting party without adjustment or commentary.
12:35
